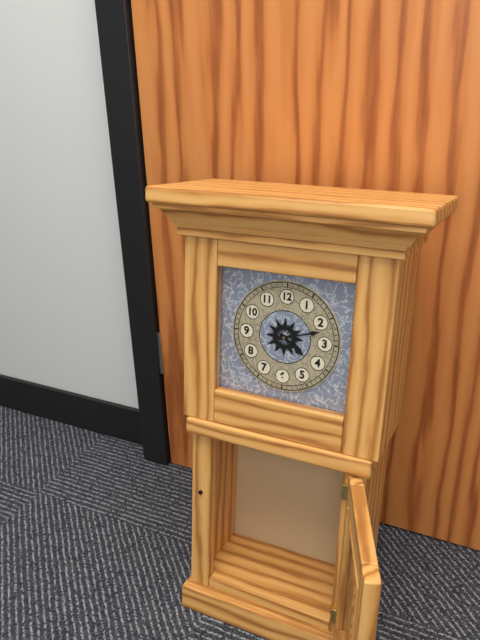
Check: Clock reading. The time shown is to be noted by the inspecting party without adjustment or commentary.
4:12
